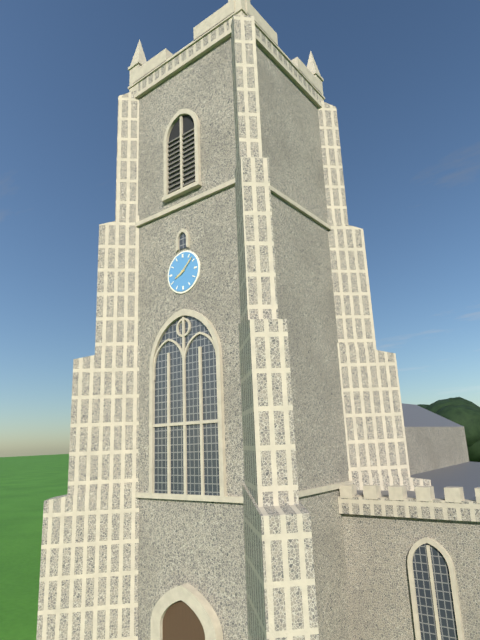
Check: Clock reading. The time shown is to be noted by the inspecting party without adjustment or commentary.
8:08
